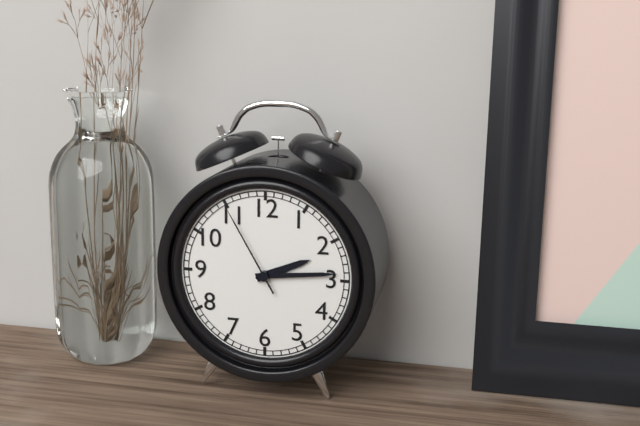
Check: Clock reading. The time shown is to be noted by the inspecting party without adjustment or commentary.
2:14:55
